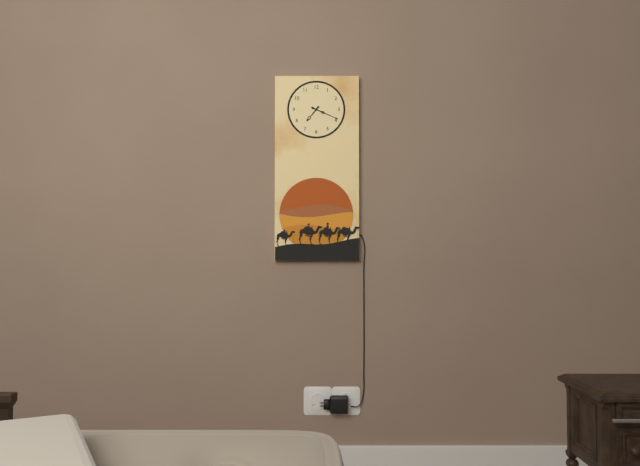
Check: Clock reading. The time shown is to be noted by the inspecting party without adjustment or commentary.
7:19
